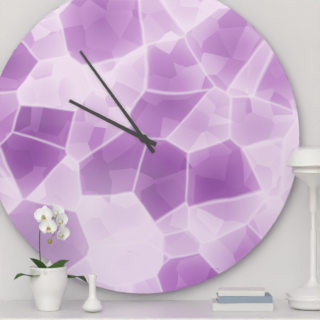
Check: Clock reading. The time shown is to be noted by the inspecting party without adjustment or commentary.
9:54
